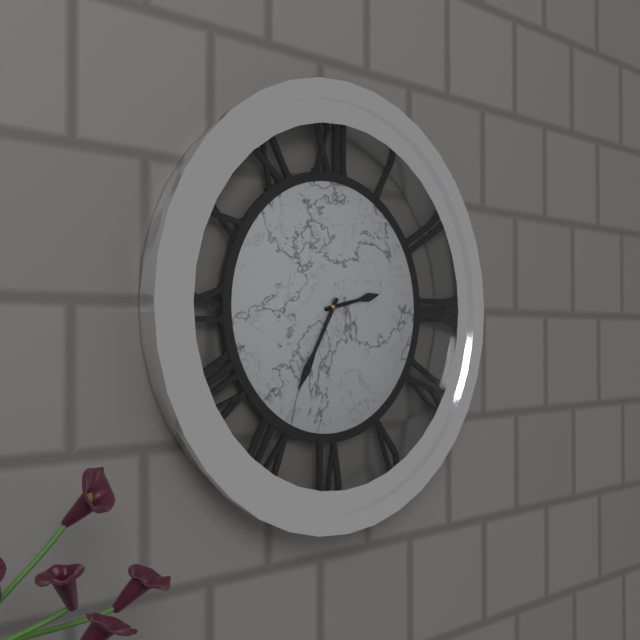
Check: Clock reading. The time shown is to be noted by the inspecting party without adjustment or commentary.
2:35
